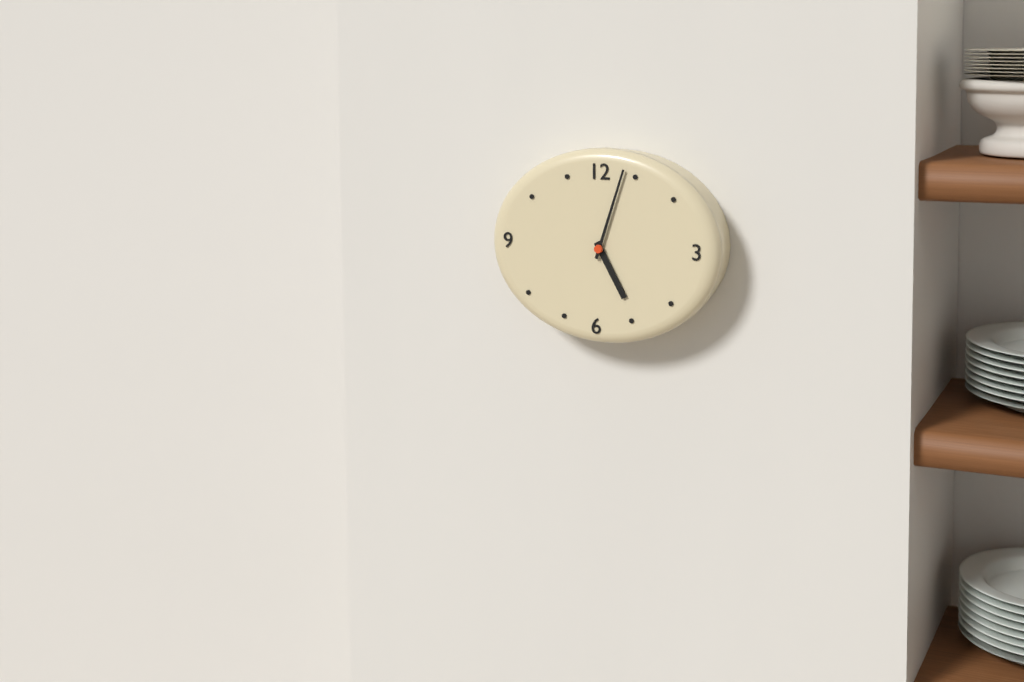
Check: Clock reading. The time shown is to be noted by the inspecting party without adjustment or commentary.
5:03
